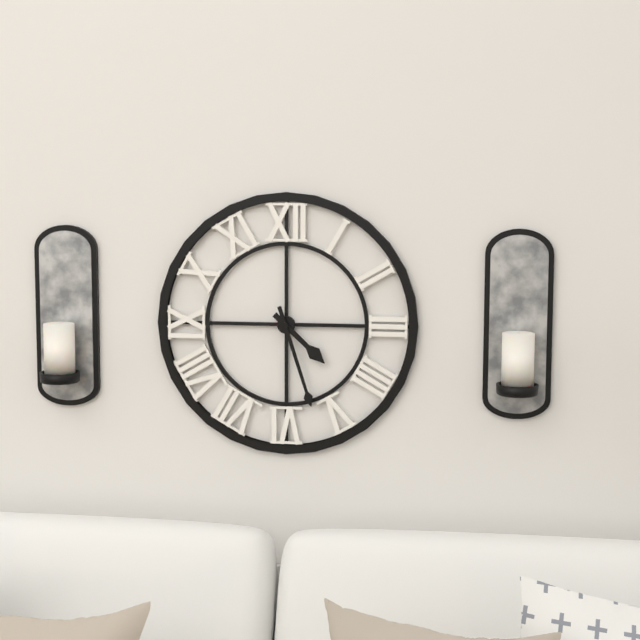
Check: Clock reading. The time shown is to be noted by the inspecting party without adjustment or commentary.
4:27
